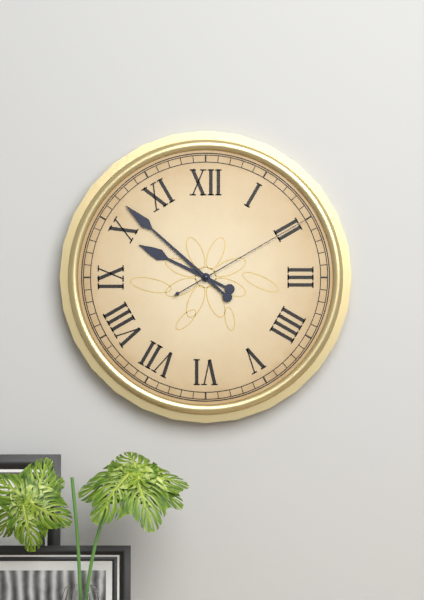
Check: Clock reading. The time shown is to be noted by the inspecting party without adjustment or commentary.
9:52:10
